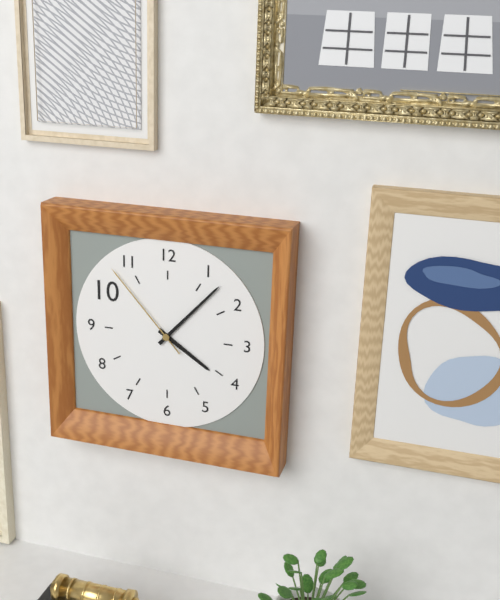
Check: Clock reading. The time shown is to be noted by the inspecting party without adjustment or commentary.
4:07:53
